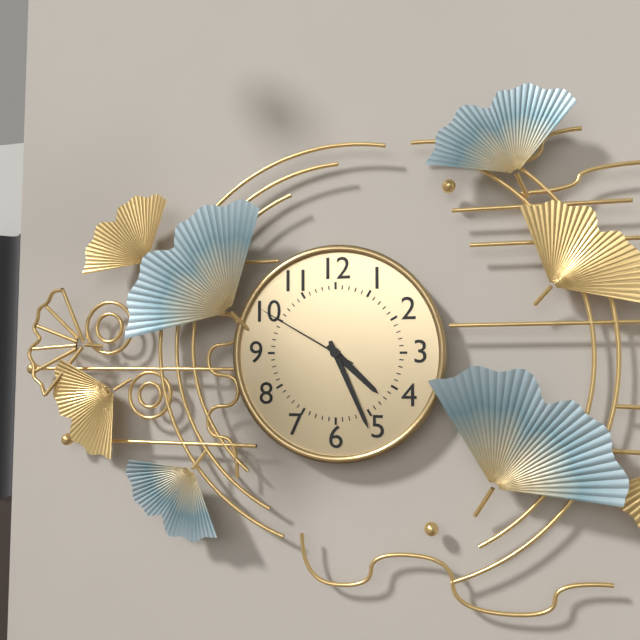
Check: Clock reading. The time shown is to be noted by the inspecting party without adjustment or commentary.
4:26:50
